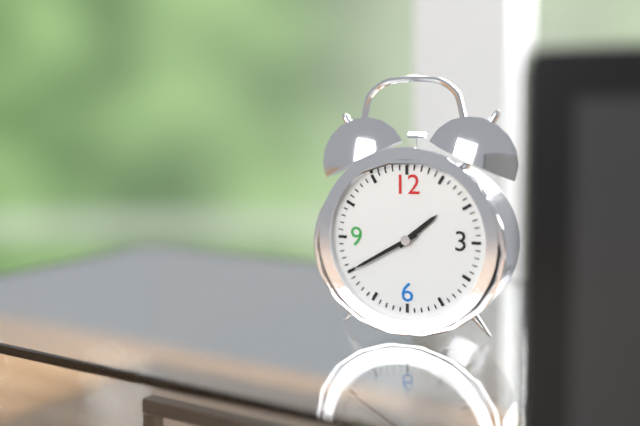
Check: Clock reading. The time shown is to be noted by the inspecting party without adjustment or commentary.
1:40
